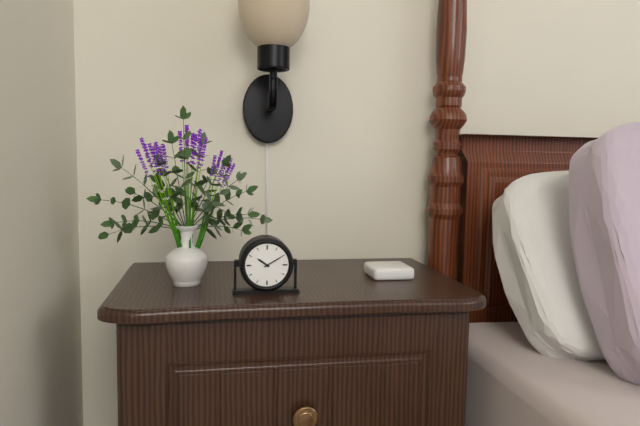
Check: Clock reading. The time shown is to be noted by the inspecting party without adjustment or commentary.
10:10
